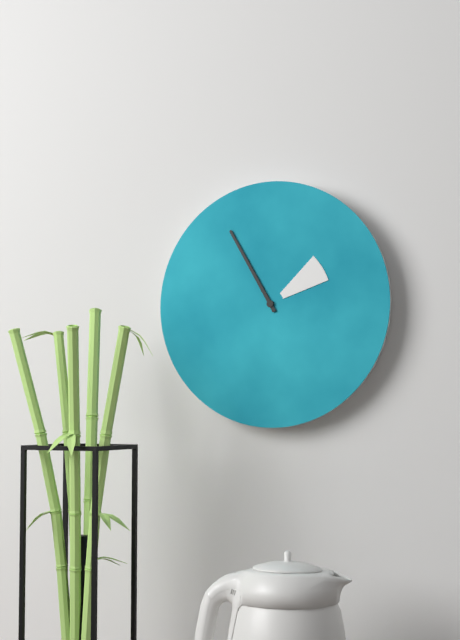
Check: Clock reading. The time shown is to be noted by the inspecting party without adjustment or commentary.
1:55
